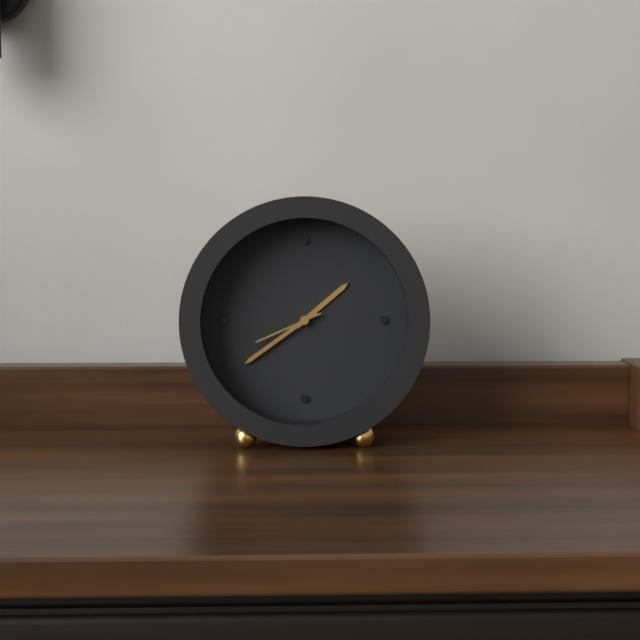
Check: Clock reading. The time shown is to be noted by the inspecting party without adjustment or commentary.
1:39:41
